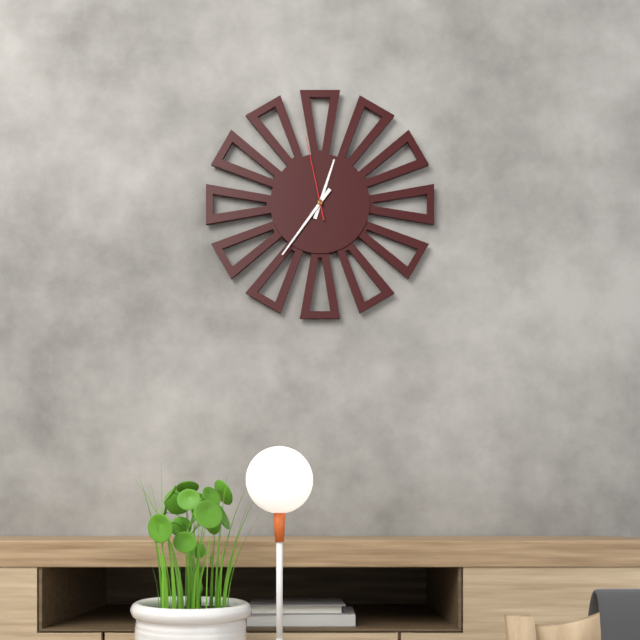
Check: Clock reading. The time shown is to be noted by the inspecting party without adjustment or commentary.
12:36:58
